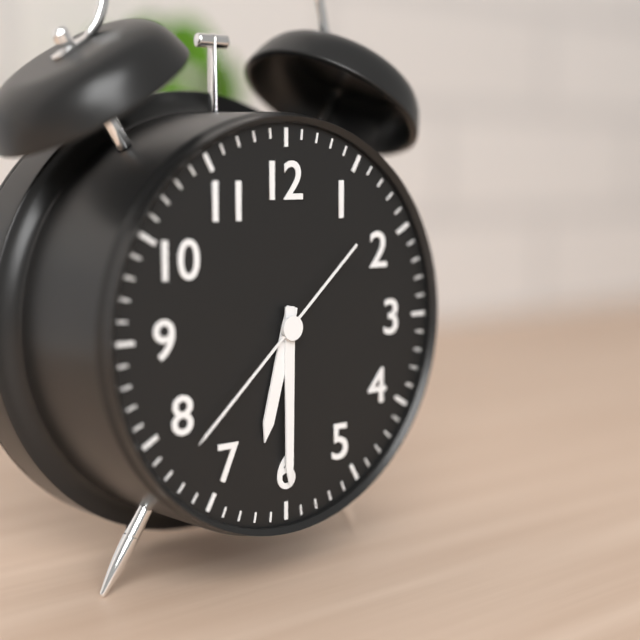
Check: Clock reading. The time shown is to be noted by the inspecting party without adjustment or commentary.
6:30:38
